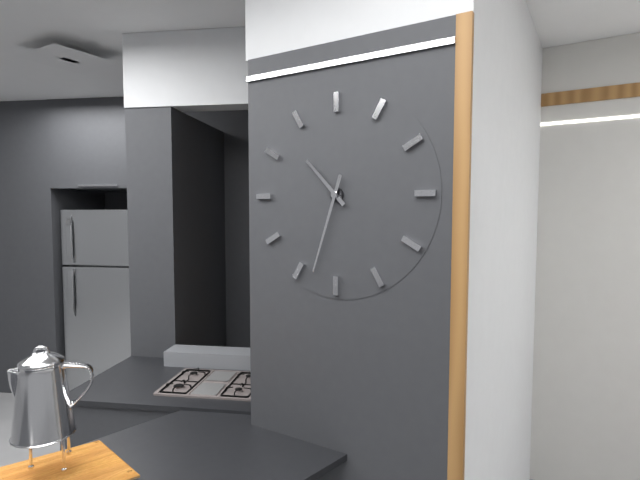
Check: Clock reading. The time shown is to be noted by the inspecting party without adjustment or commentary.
10:33
